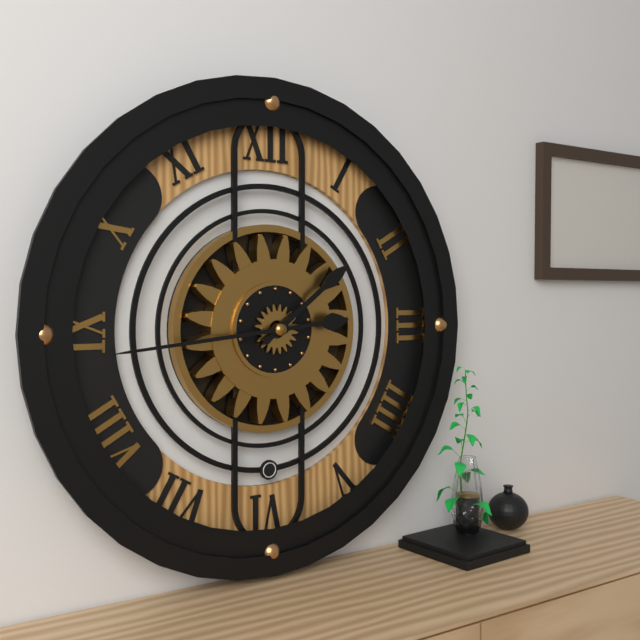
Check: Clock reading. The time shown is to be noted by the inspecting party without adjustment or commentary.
1:44
